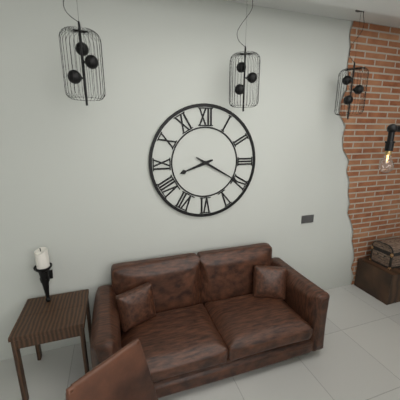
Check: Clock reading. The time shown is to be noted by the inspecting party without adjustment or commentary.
8:20
